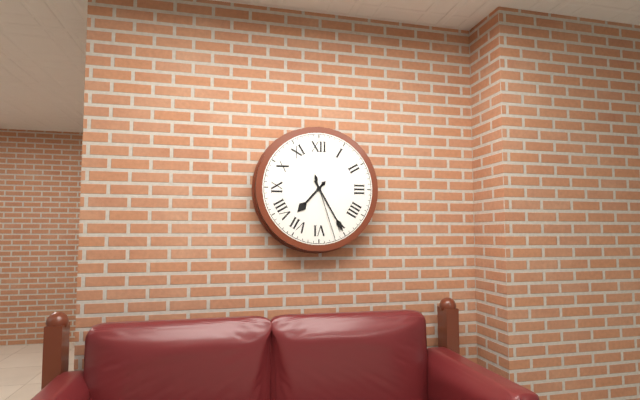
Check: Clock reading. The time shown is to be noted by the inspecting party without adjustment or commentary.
7:25:27
